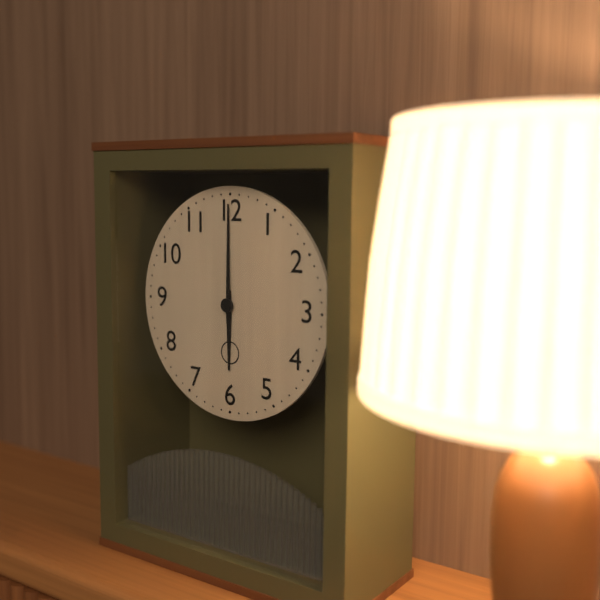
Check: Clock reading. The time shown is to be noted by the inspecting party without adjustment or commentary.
6:00
